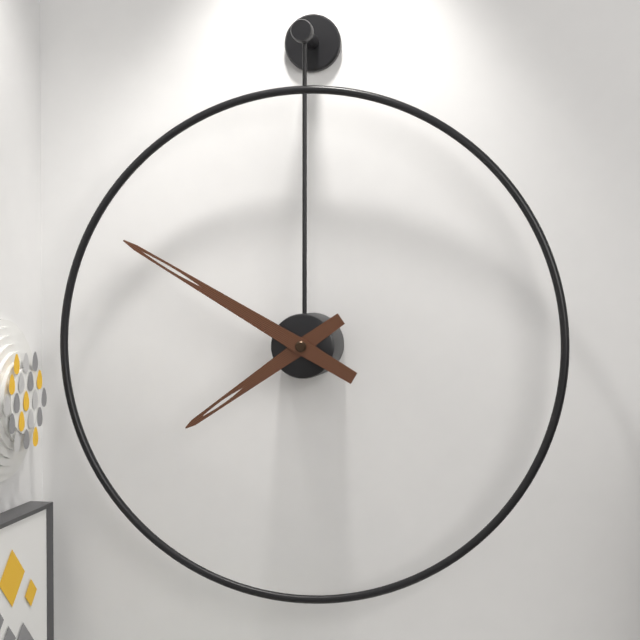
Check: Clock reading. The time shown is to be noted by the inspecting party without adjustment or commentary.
7:50
